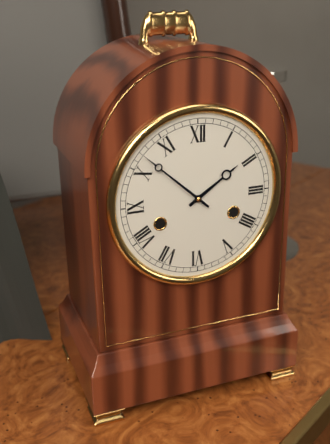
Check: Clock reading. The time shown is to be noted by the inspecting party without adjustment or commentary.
1:52
